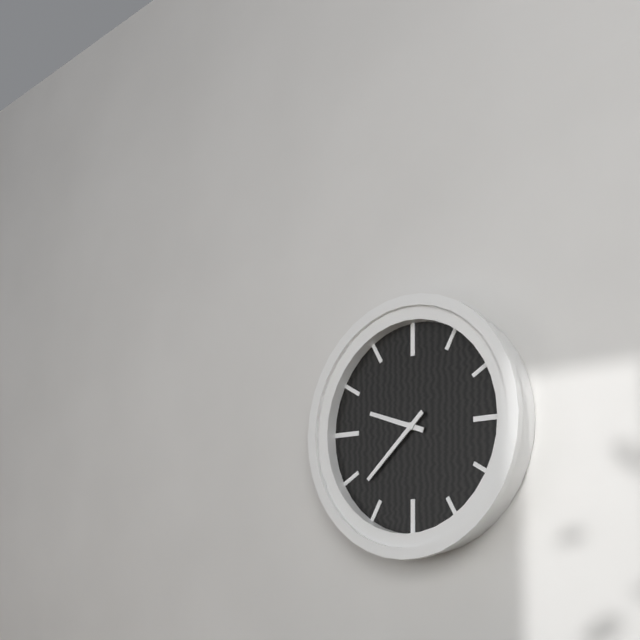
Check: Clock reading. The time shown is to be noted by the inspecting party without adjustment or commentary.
9:38
